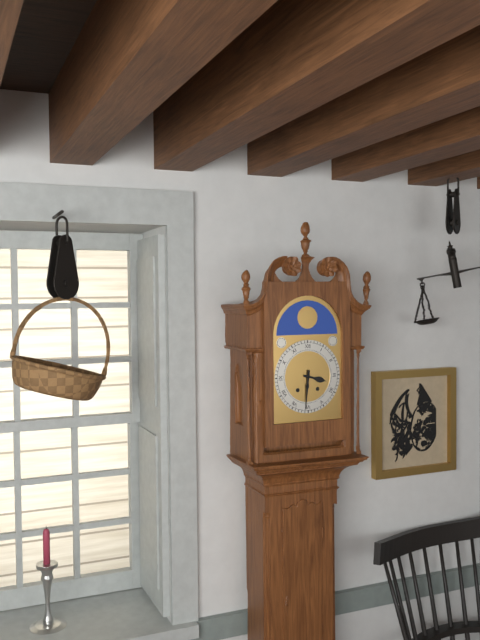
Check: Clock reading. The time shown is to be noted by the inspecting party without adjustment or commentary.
3:31
